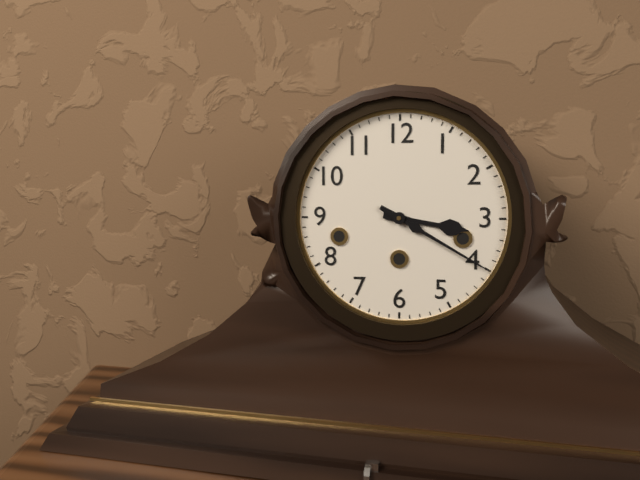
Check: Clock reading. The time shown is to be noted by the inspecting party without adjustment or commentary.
3:20
